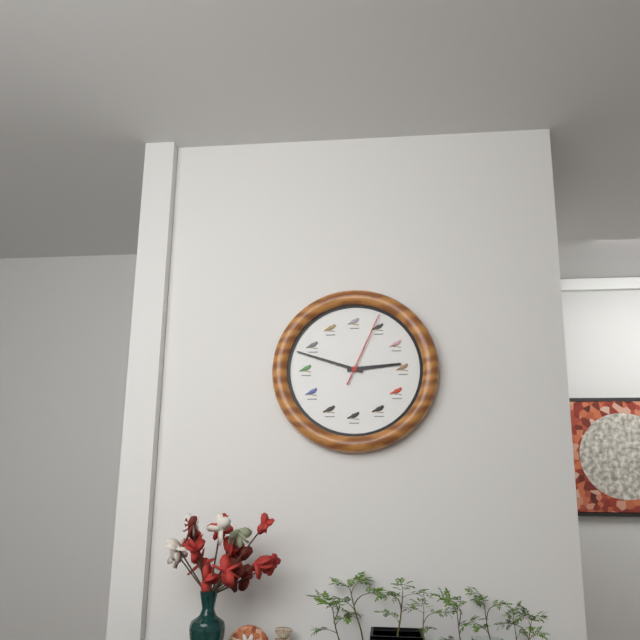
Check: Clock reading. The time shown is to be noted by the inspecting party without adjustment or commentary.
2:48:04
